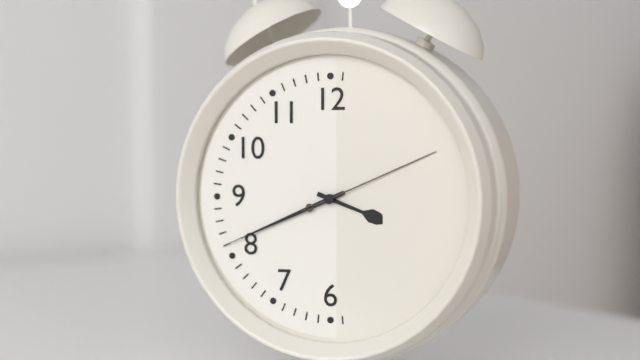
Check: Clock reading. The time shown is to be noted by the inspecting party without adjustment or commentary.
3:41:11
